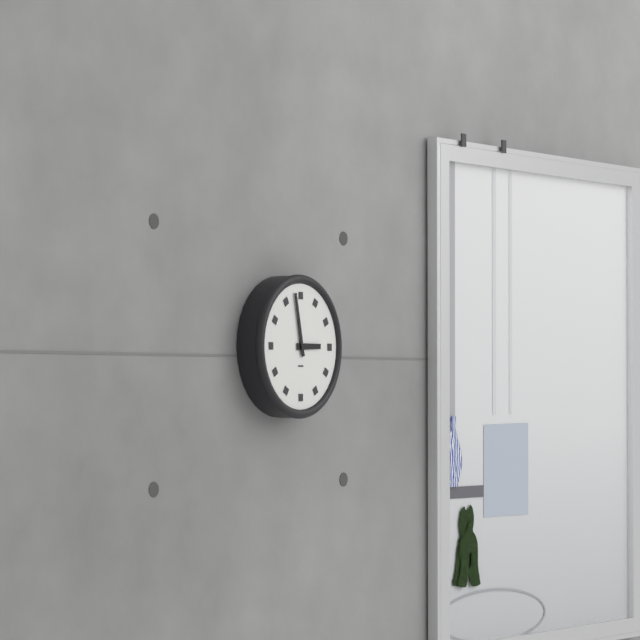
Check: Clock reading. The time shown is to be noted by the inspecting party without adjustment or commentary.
2:58
